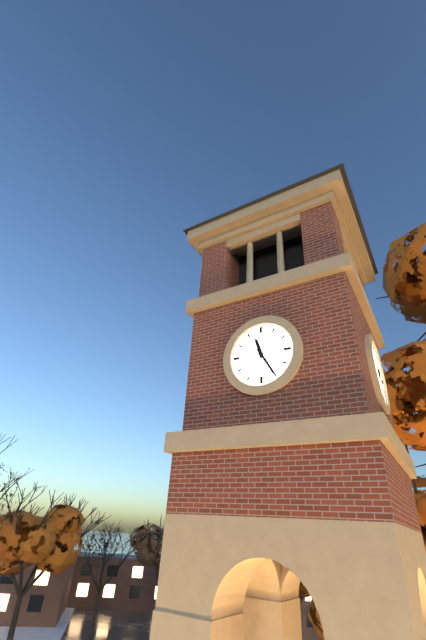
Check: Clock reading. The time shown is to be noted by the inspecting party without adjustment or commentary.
11:25
